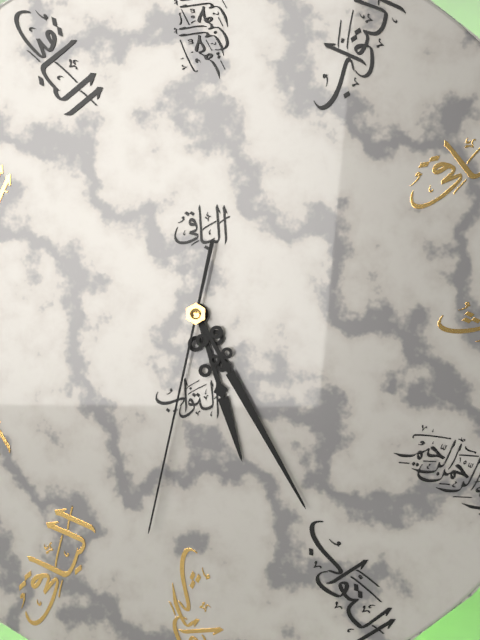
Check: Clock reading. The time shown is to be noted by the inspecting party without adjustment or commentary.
5:25:32
